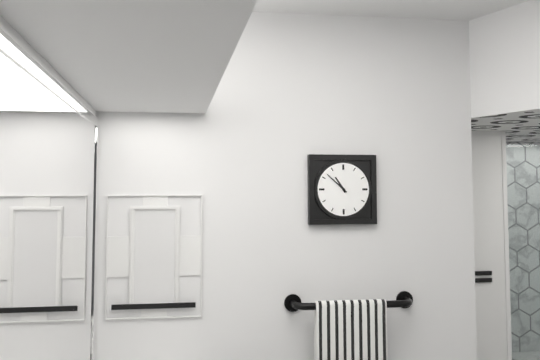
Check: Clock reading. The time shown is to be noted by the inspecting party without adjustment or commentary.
10:52
